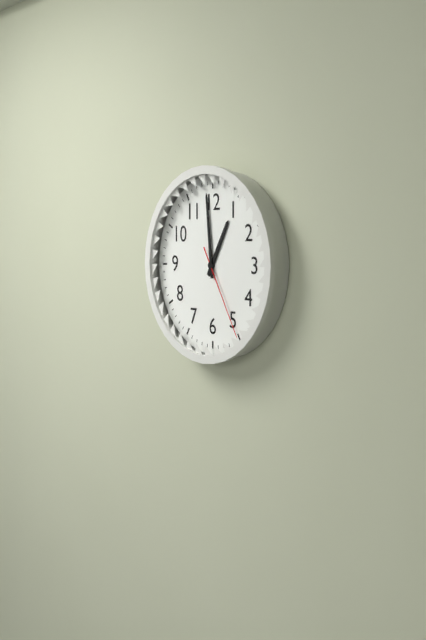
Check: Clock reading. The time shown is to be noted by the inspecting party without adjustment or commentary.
12:59:25
